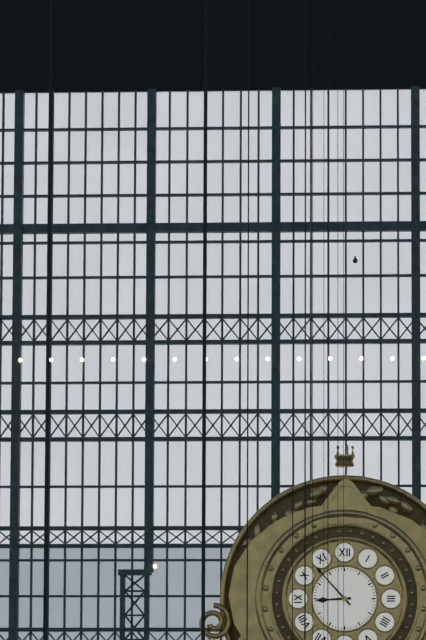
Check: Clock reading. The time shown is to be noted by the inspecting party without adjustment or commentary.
8:53
